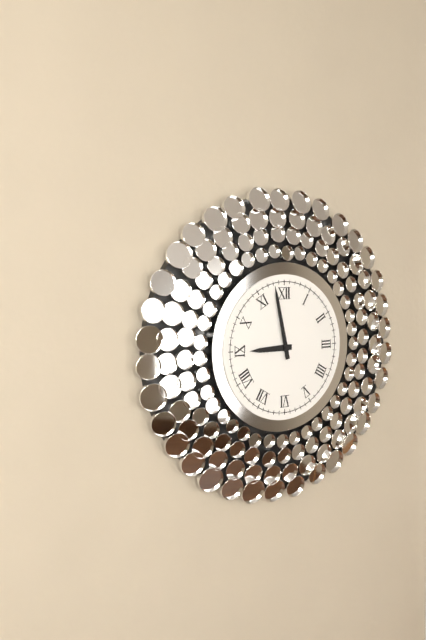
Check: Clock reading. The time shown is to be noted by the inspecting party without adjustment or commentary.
8:58
